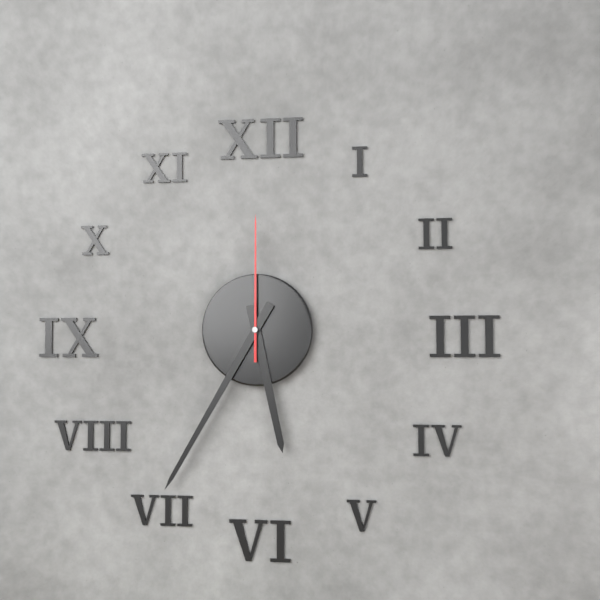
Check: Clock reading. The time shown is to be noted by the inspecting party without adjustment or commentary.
5:35:00
